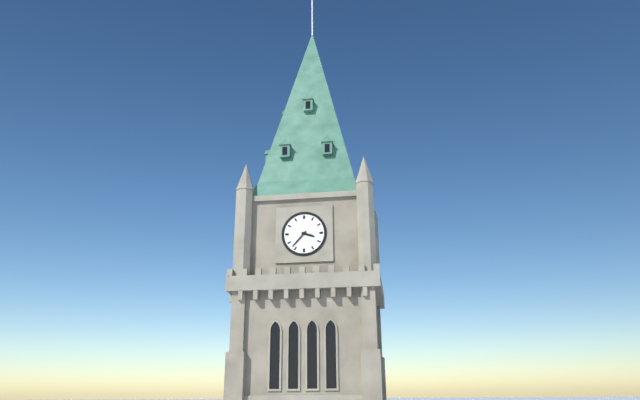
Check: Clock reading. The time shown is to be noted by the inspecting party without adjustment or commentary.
3:37
